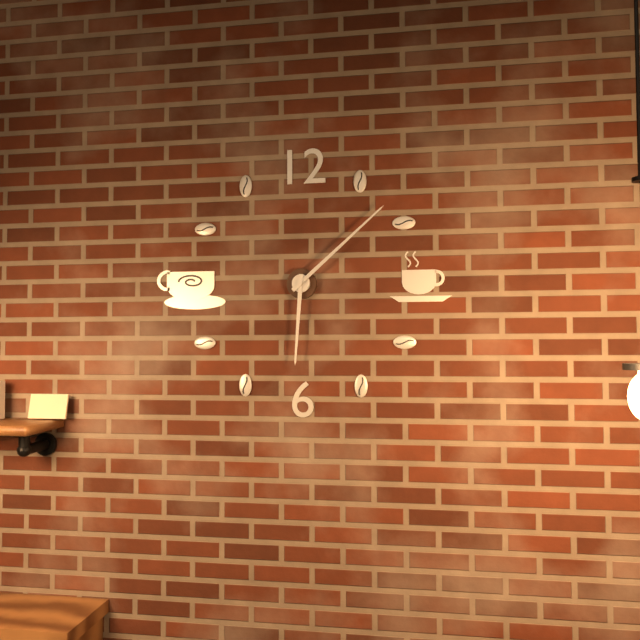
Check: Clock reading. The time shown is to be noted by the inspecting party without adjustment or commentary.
6:08
